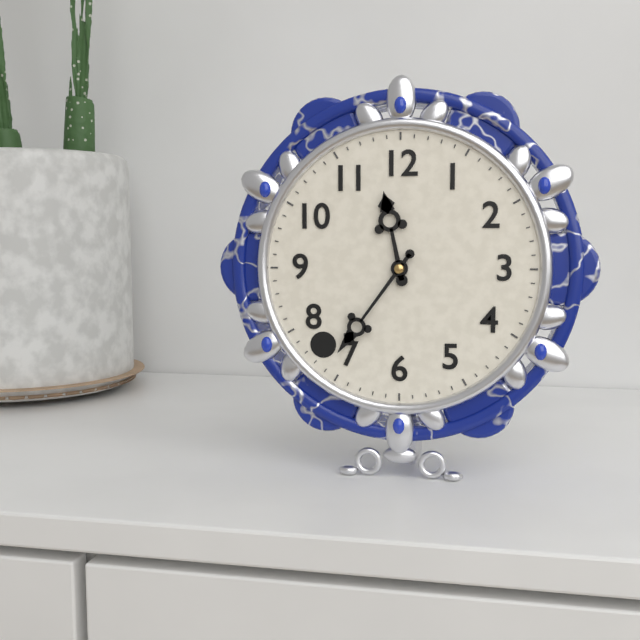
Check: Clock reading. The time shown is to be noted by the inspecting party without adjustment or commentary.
11:36
